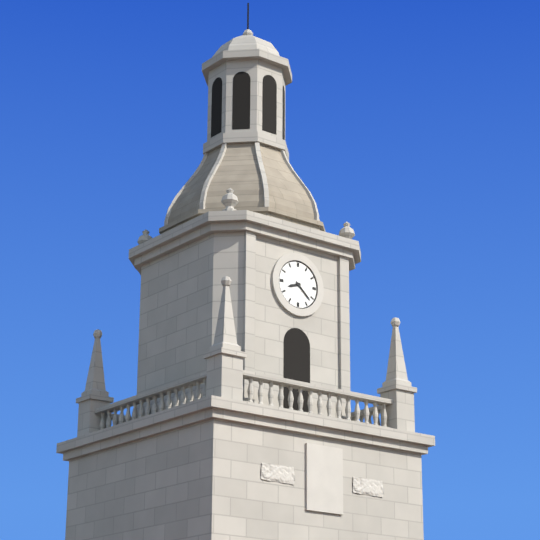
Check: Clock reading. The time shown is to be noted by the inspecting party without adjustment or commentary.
8:22
